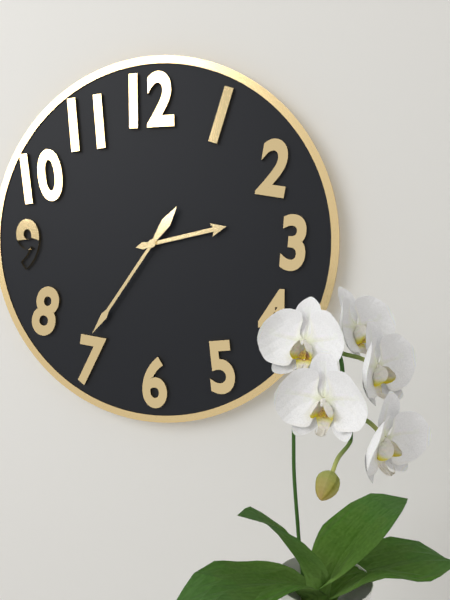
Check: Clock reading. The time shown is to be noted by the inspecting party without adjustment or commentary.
2:36
